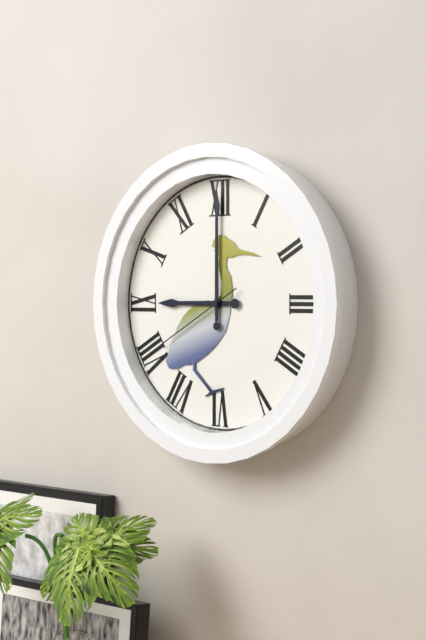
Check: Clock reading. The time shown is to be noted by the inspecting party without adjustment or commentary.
9:00:40
